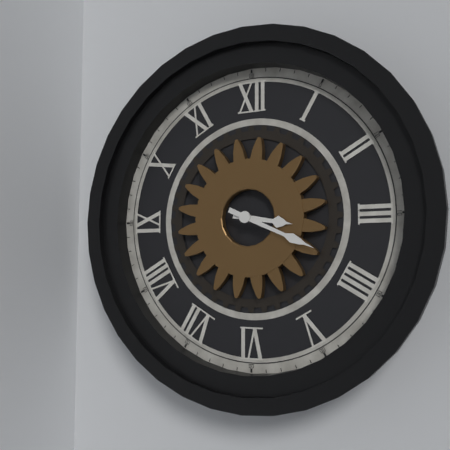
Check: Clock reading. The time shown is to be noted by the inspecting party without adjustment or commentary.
3:19
